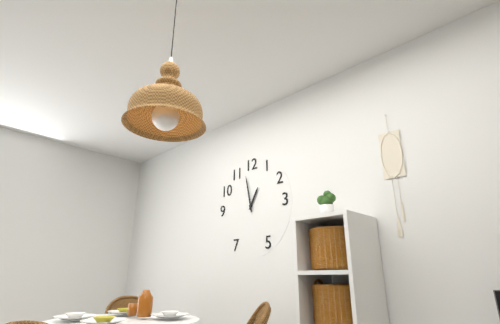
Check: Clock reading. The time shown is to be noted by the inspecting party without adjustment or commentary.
12:58
